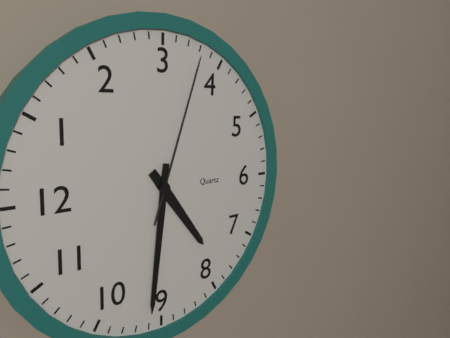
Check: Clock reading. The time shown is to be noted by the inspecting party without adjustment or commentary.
7:46:18
